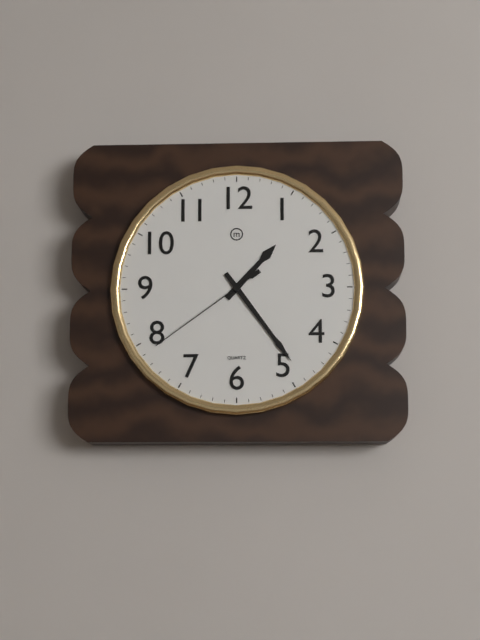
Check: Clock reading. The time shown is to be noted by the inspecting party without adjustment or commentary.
1:24:39
